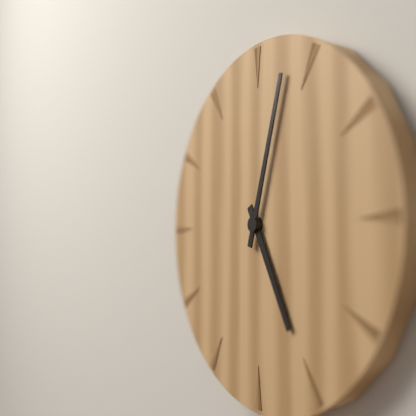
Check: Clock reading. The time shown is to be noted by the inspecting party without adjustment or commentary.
5:03
